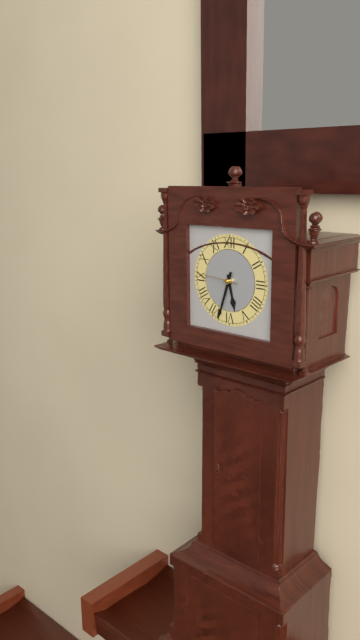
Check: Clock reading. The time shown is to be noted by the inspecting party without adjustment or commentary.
5:33
